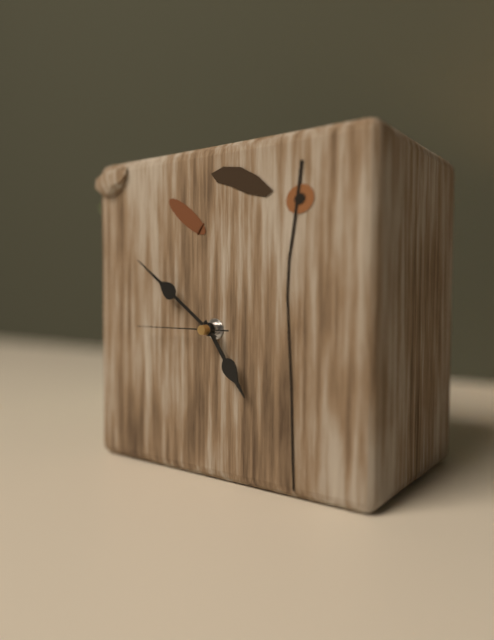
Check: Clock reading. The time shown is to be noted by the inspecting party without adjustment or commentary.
4:51:45
